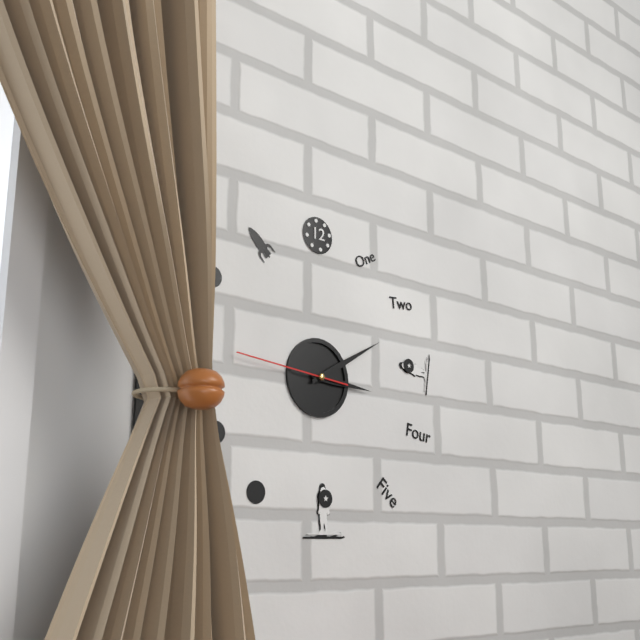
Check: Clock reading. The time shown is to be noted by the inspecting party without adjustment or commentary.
3:10:46
